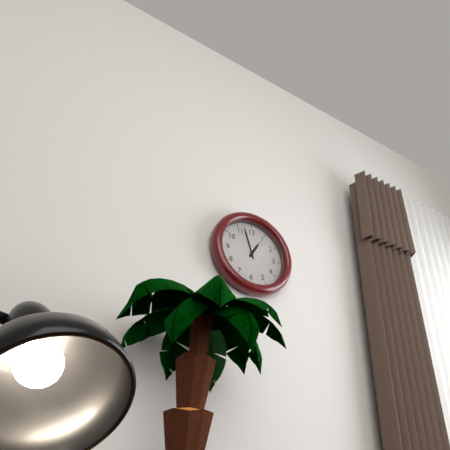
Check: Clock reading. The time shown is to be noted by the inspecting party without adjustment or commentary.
12:57
